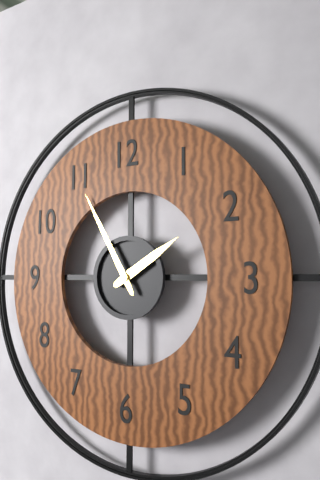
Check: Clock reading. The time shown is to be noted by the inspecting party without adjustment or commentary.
1:55
